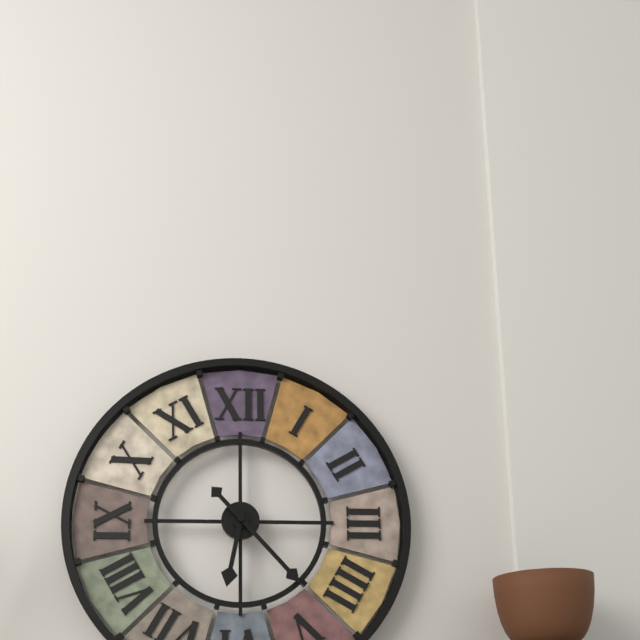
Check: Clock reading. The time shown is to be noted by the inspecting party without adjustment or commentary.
6:23
